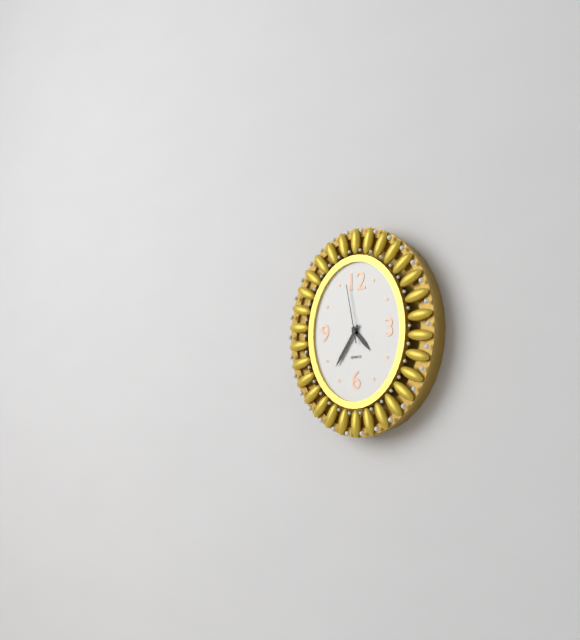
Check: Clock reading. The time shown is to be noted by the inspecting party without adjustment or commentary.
4:36:58
